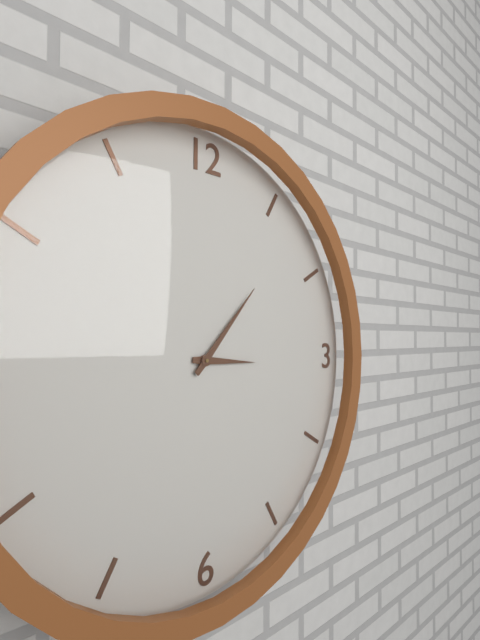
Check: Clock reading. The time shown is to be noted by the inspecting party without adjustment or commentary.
3:07
